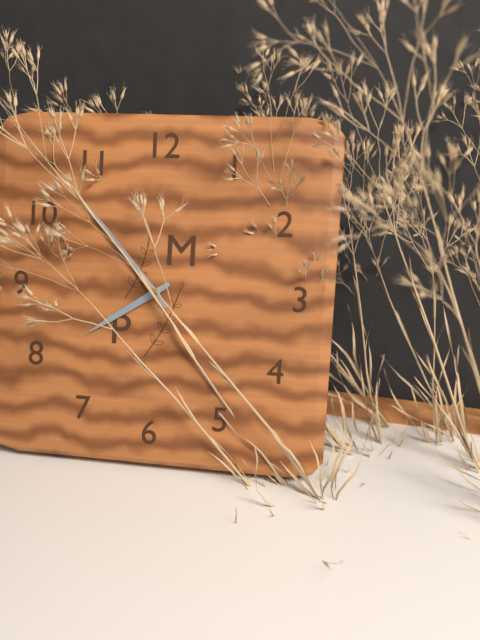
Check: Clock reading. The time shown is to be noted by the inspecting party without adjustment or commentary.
7:53
